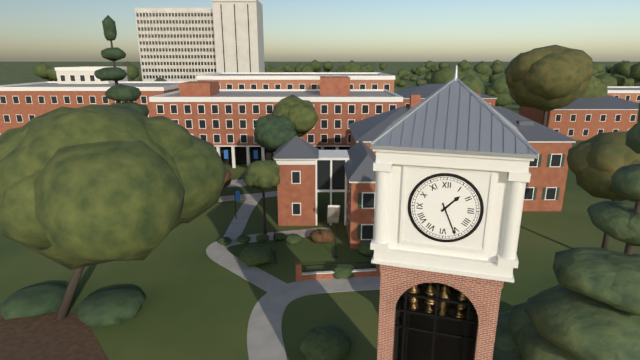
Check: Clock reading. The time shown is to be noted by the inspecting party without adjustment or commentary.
1:26
